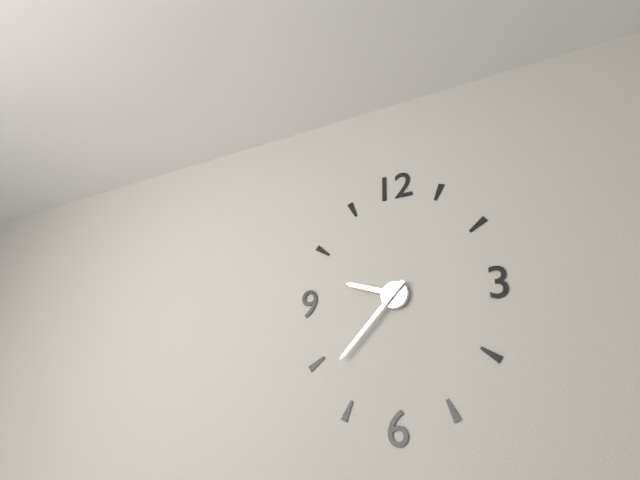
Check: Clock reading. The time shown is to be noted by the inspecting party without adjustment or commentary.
9:37
